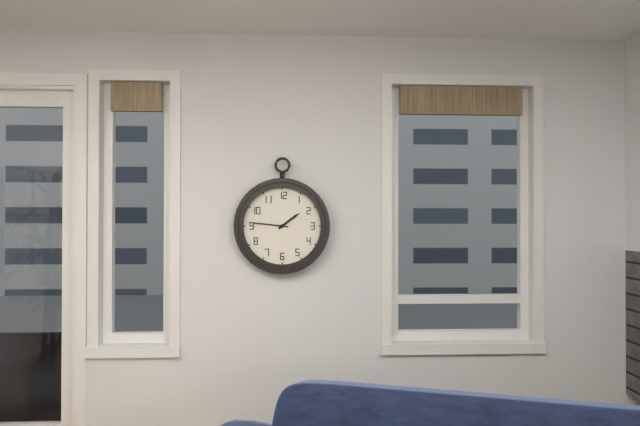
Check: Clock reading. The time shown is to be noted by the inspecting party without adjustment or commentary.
1:46
